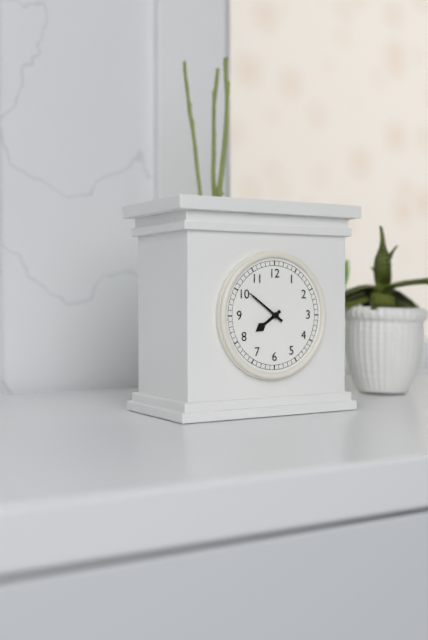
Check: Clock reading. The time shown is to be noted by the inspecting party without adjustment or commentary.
7:51
